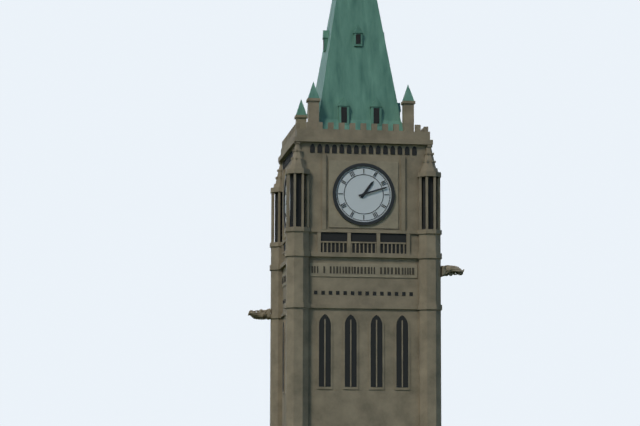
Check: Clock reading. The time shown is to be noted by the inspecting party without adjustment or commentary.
1:12
